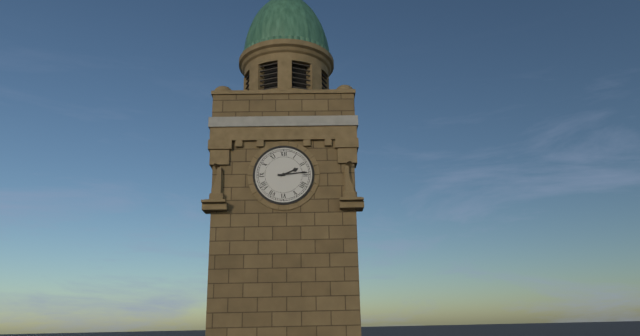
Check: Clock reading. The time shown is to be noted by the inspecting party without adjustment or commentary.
2:14
